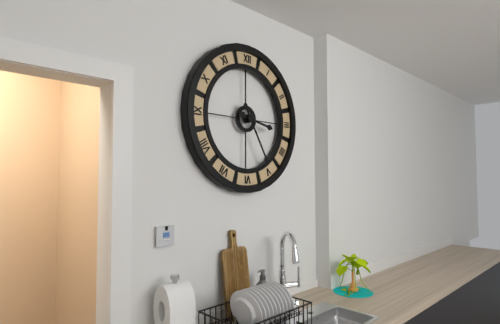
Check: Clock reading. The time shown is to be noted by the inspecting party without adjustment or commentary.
3:25
